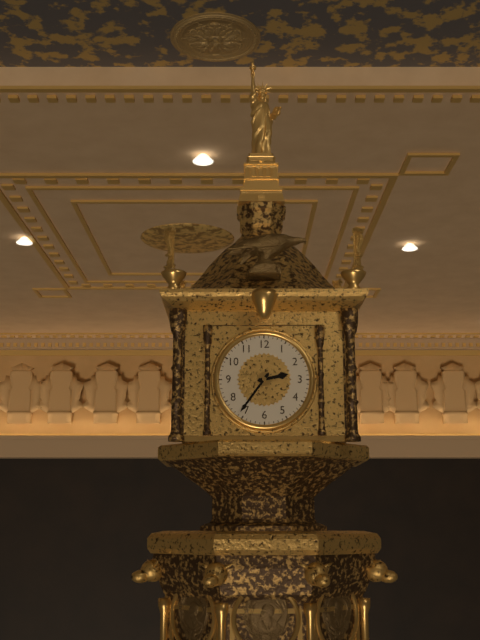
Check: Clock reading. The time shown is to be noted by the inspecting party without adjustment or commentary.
2:36
